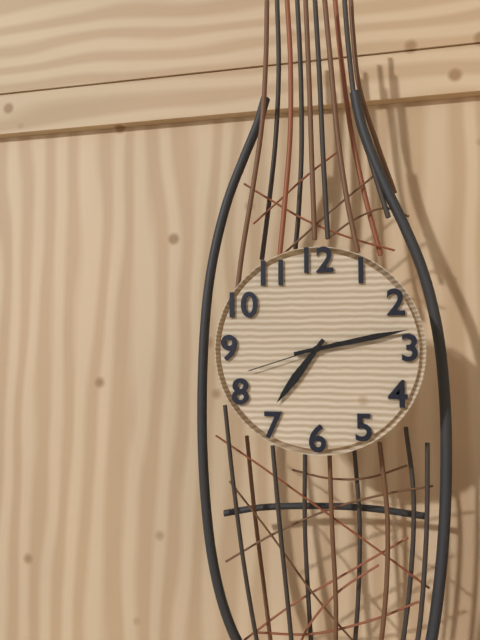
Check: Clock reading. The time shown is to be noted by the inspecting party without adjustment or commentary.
7:13:42
